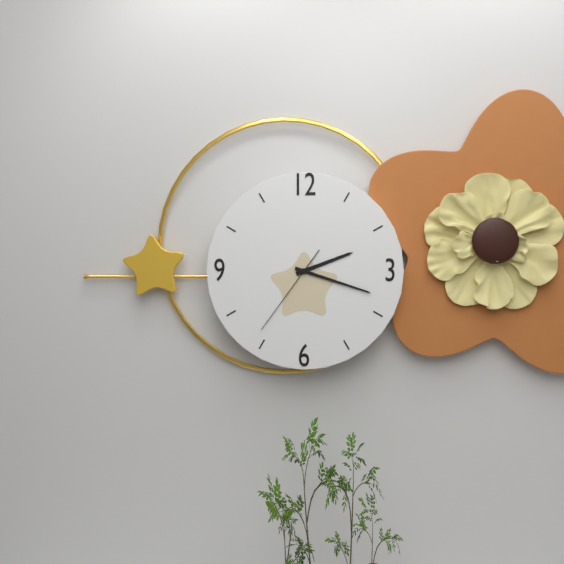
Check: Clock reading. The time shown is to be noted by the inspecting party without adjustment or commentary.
2:18:36
